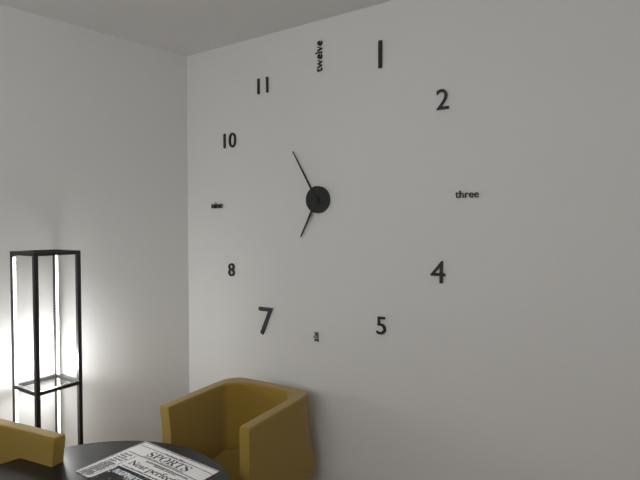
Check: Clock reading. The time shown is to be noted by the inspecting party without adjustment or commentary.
6:55
